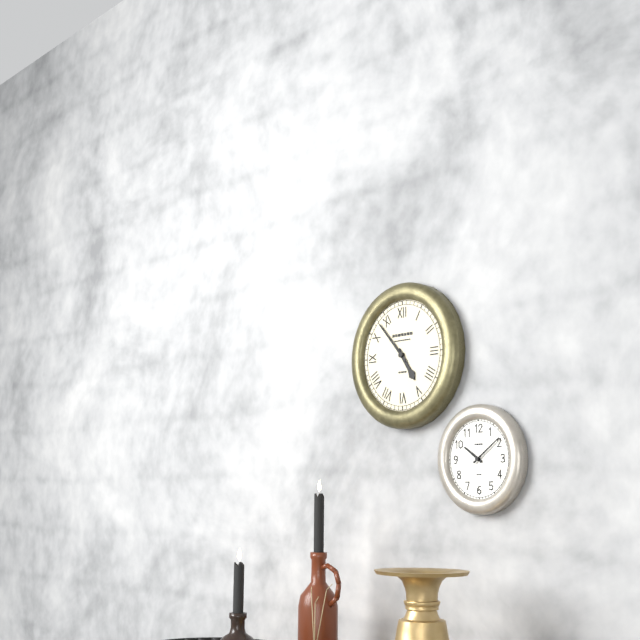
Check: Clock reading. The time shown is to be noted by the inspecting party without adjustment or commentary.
4:53
